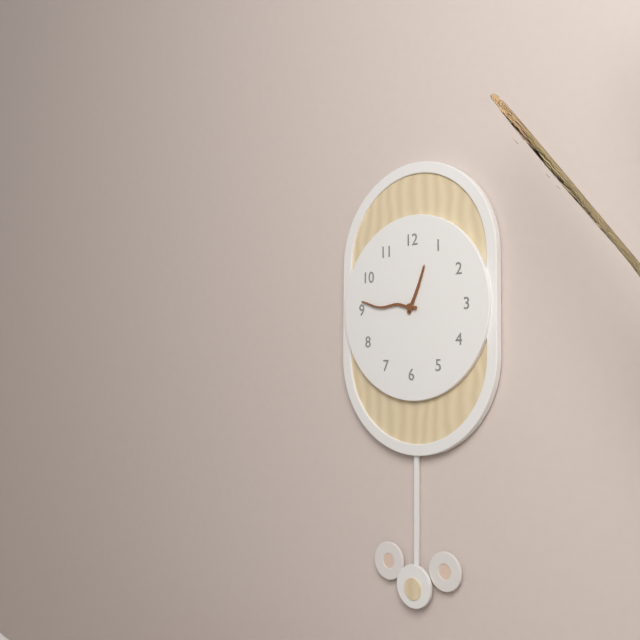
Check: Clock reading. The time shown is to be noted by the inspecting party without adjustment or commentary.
12:46
